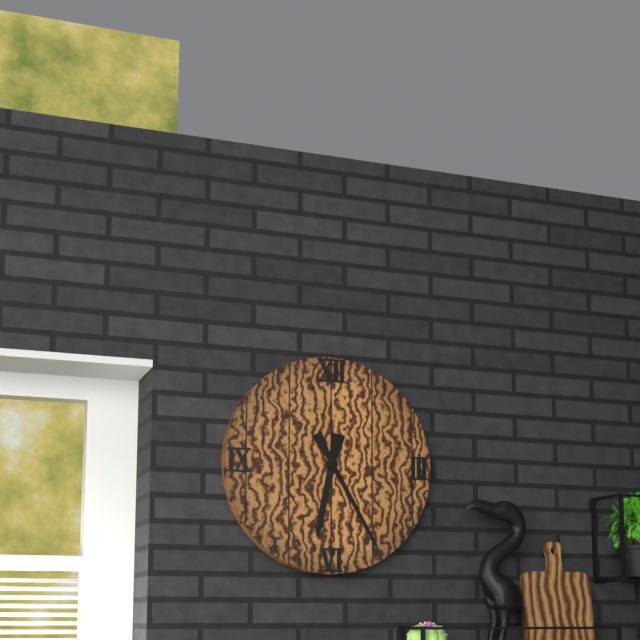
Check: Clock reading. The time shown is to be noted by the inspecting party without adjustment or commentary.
6:25
